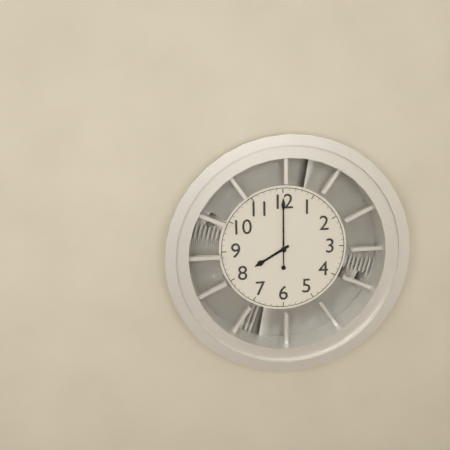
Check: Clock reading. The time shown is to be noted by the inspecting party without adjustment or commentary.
8:00
